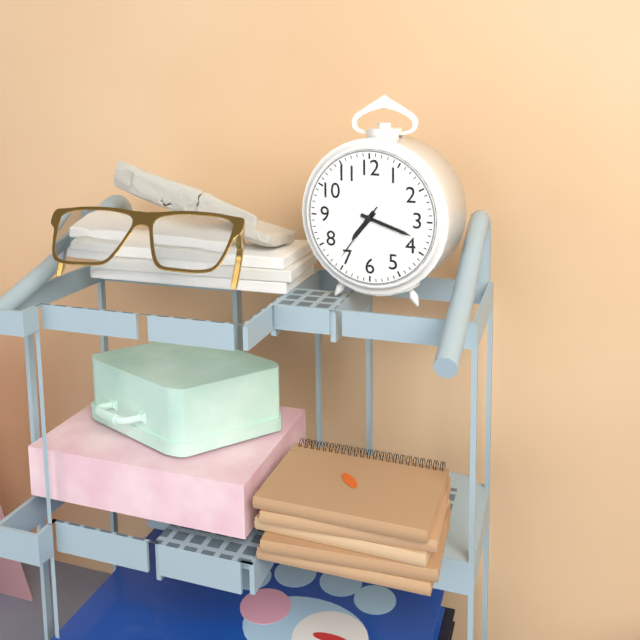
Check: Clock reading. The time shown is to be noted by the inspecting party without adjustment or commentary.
7:18:36
